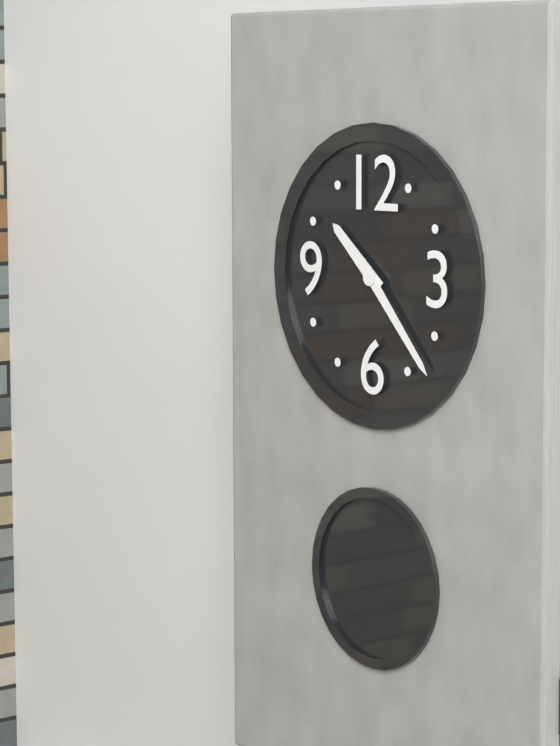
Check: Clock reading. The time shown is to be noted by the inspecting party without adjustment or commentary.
10:23
